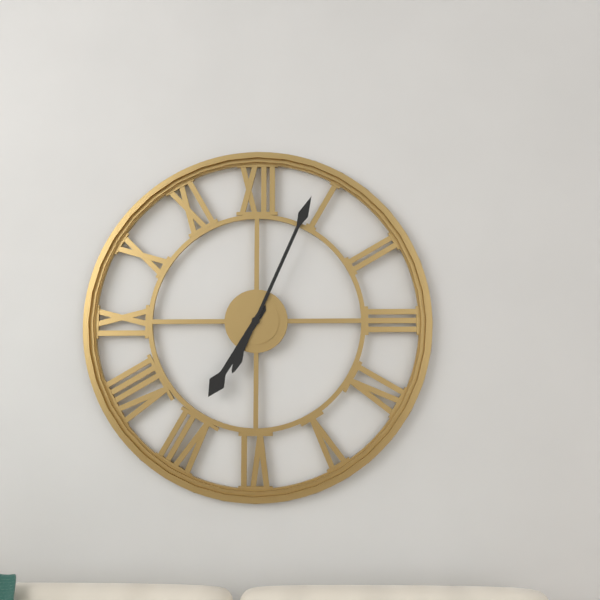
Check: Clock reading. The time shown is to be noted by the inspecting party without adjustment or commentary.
7:04
